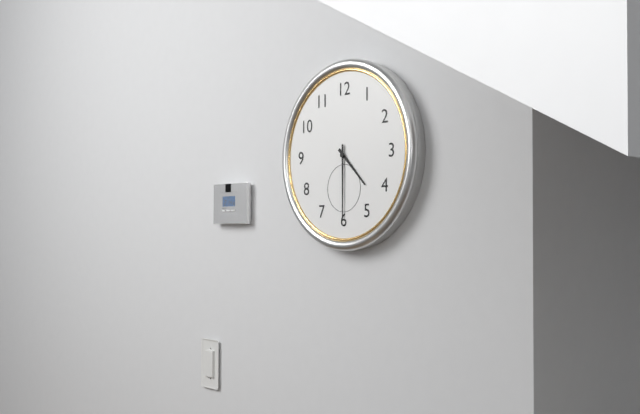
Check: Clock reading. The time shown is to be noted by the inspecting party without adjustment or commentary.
4:30
